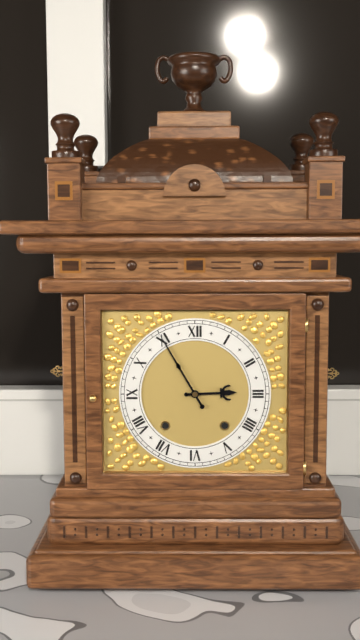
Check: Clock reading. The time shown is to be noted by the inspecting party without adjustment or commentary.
2:55
